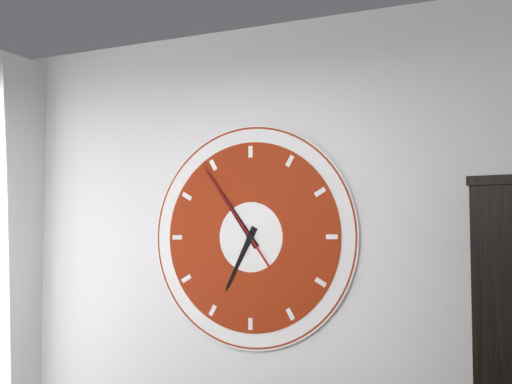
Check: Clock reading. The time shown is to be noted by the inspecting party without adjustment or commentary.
6:54:54
